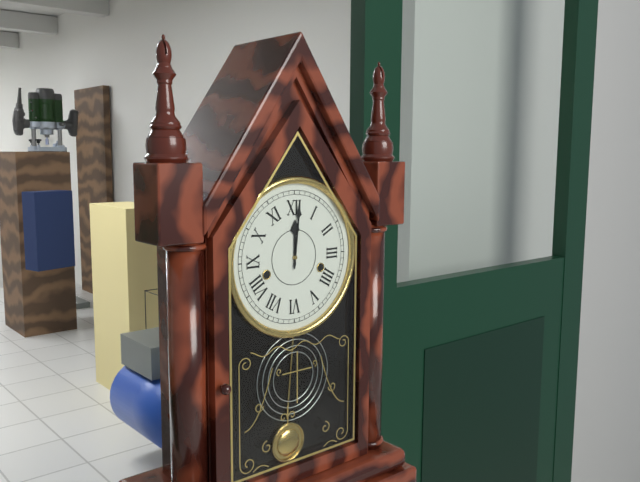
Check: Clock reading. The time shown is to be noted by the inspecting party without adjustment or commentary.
12:01
